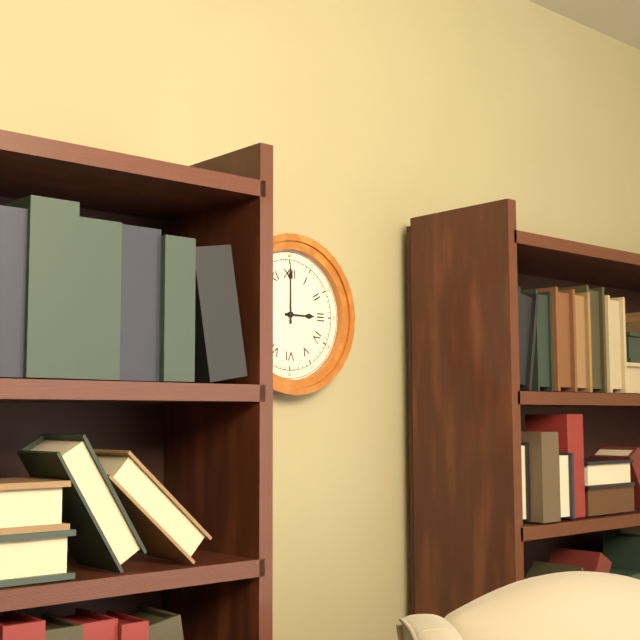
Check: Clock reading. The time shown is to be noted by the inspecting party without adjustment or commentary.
3:00
